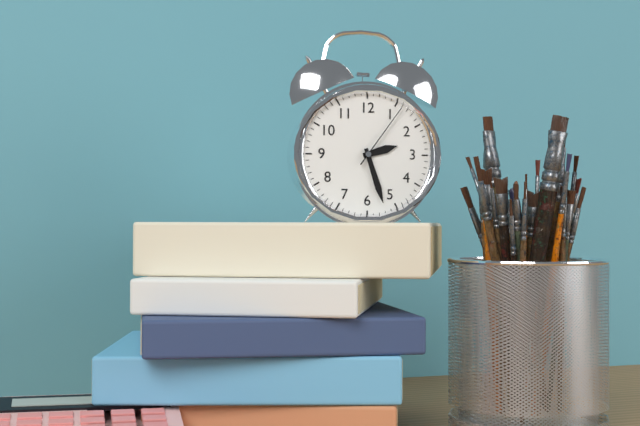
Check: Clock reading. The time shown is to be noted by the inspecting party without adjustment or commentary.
2:27:06
